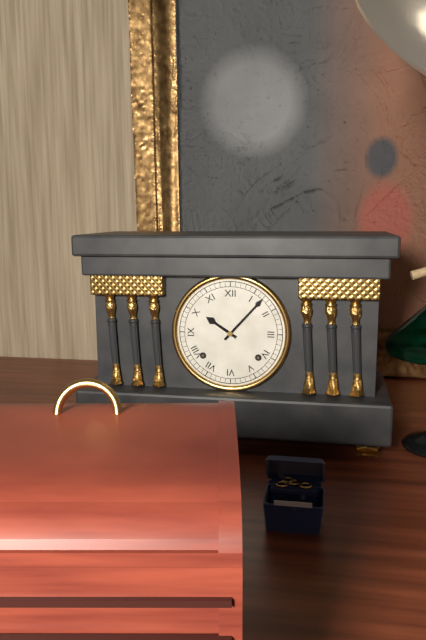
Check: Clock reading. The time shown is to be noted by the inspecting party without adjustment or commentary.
10:07
